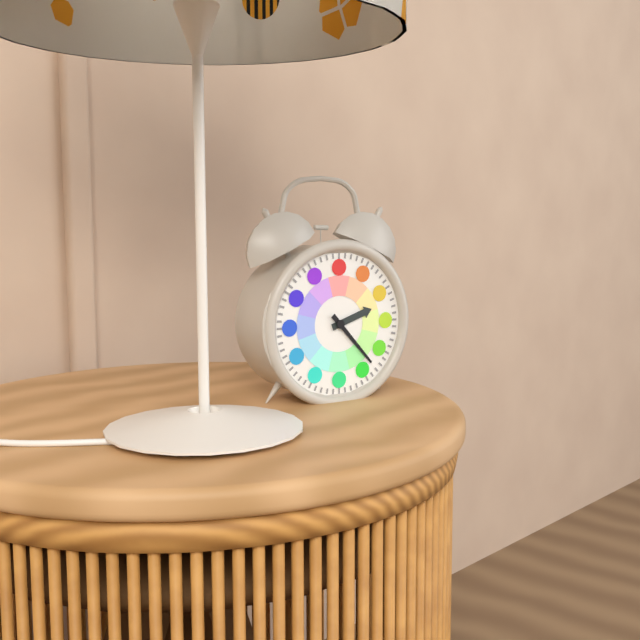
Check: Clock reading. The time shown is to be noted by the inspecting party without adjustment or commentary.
2:23
